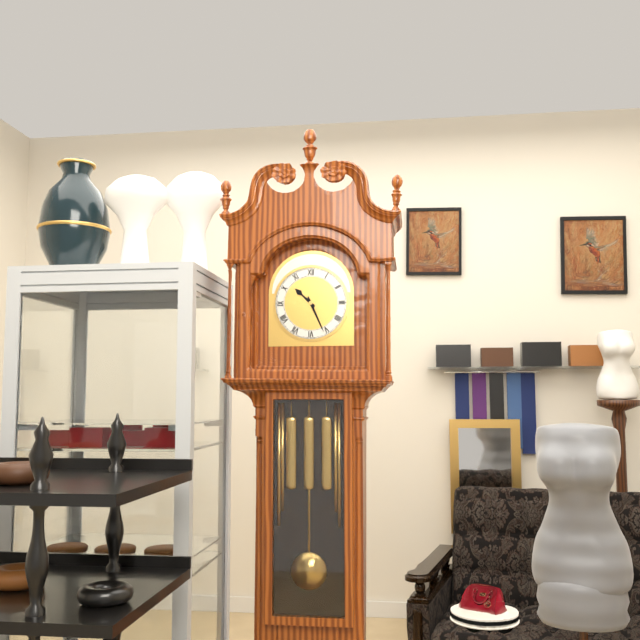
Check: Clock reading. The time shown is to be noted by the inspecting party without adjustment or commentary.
10:26
